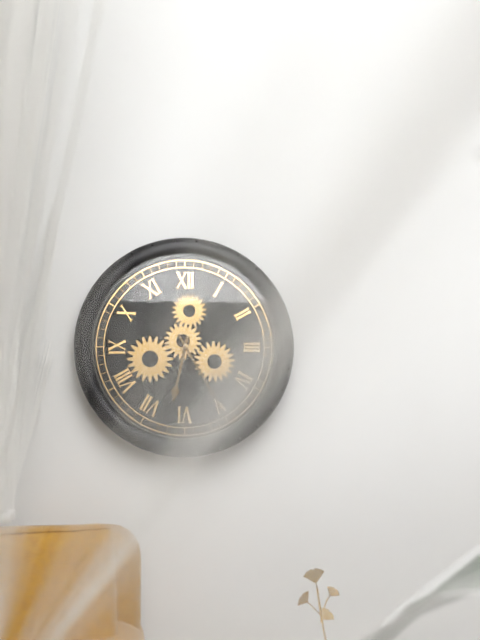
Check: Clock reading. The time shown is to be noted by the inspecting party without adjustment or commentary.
6:25
